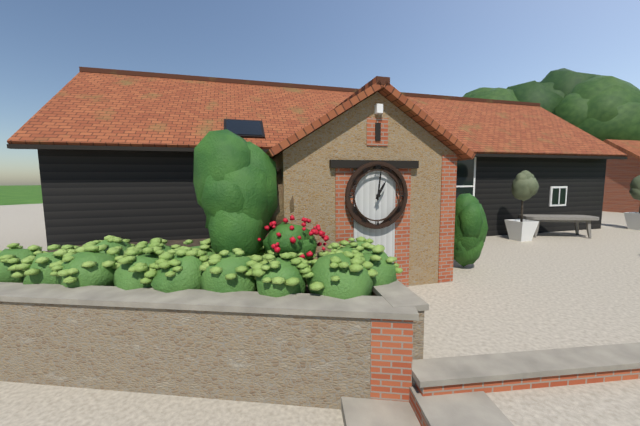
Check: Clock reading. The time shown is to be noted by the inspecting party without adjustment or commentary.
1:01
